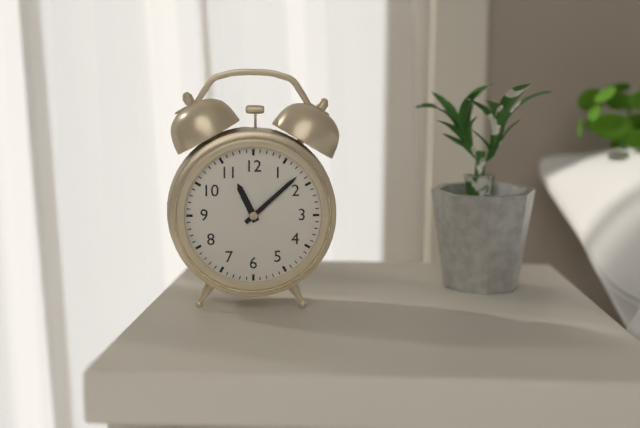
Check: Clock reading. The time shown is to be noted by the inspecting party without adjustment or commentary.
11:08
